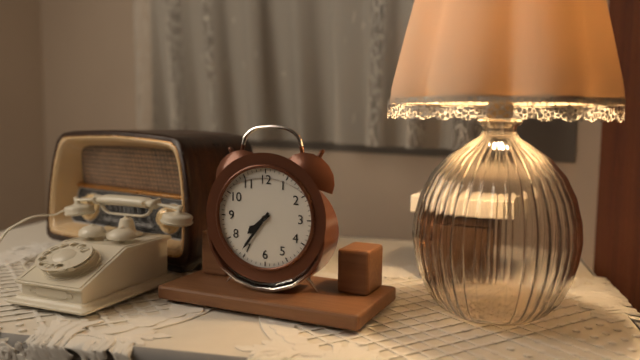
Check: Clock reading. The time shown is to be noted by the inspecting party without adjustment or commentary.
7:36
